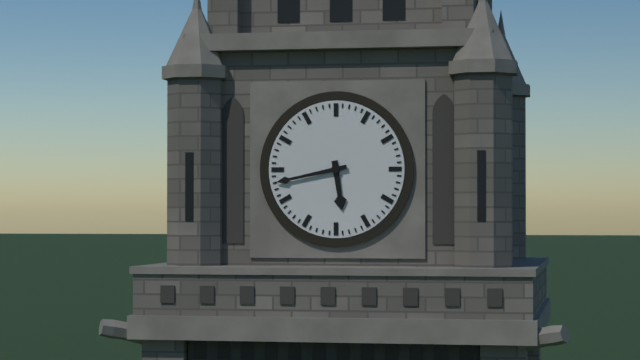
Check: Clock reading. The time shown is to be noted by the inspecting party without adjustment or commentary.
5:43
